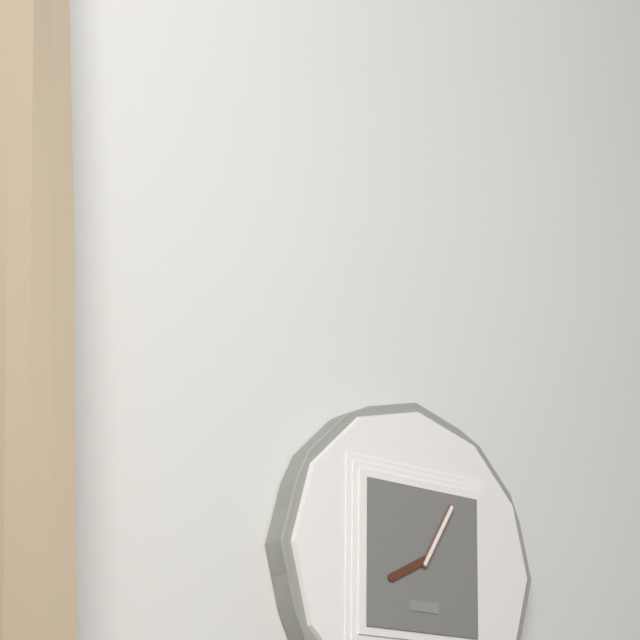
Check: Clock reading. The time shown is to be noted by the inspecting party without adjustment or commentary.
8:05
